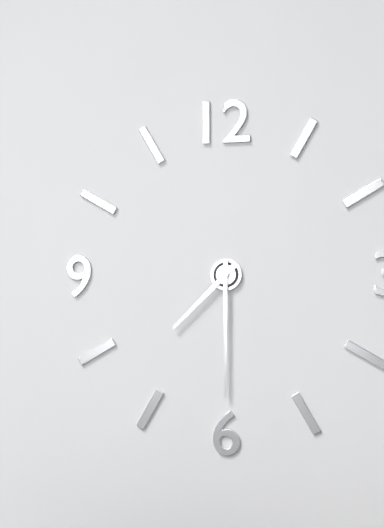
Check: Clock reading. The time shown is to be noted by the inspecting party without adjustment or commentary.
7:30
